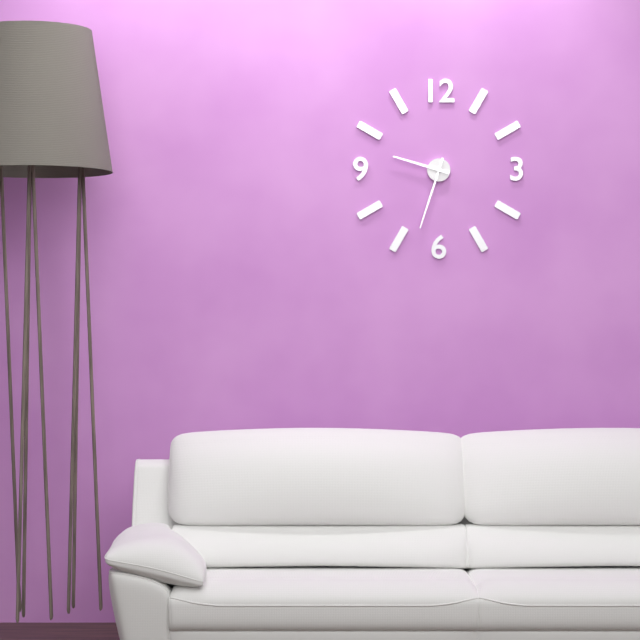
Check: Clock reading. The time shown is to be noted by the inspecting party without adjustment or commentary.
9:33
